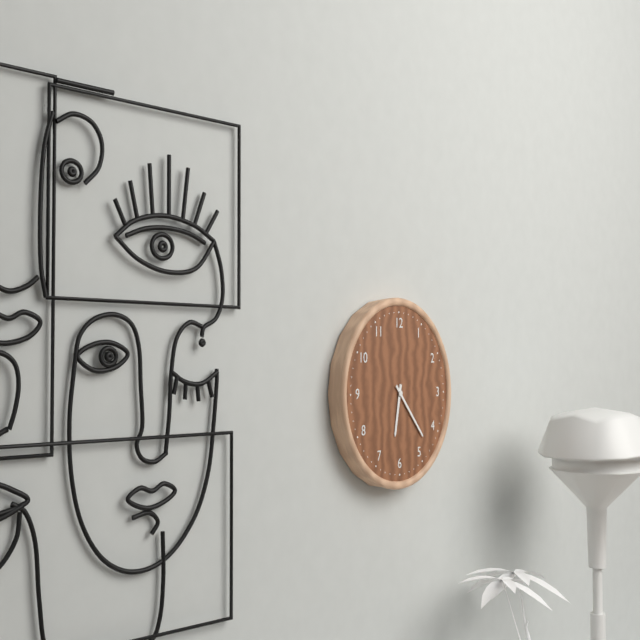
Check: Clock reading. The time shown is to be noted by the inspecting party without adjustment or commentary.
6:23
